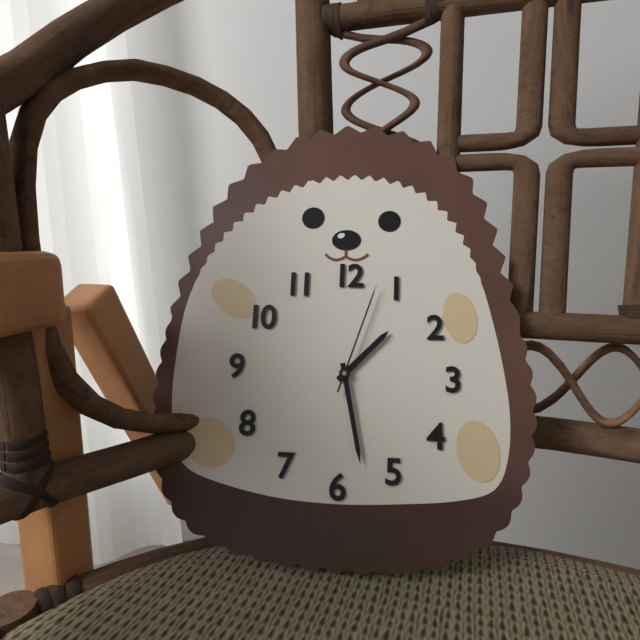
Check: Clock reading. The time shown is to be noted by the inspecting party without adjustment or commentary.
1:28:03
